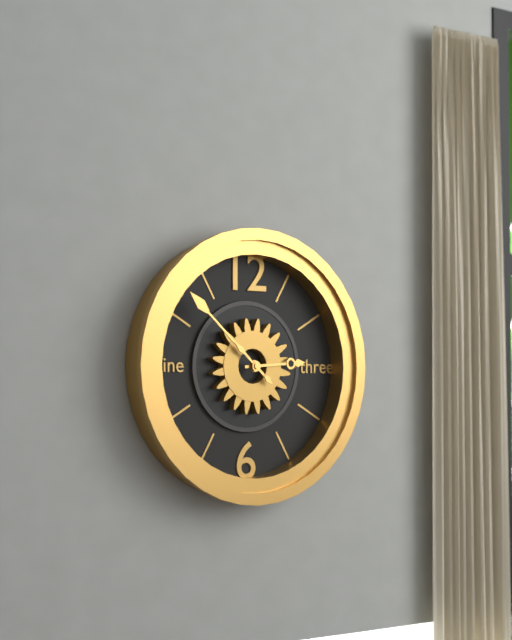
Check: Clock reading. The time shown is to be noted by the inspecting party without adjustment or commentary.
2:52
